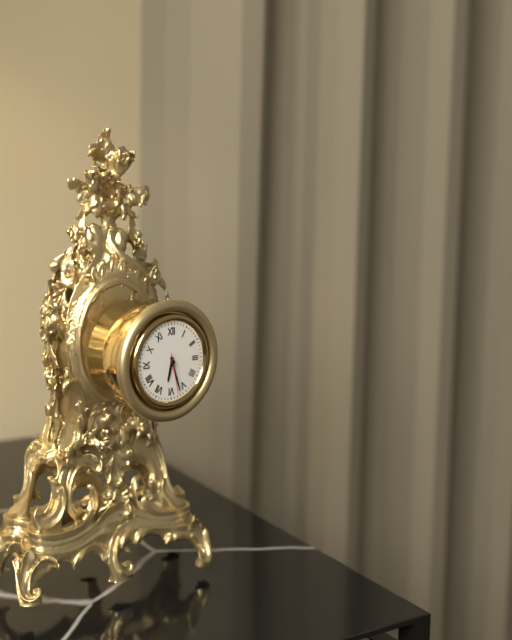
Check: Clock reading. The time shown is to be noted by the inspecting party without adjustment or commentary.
6:27
